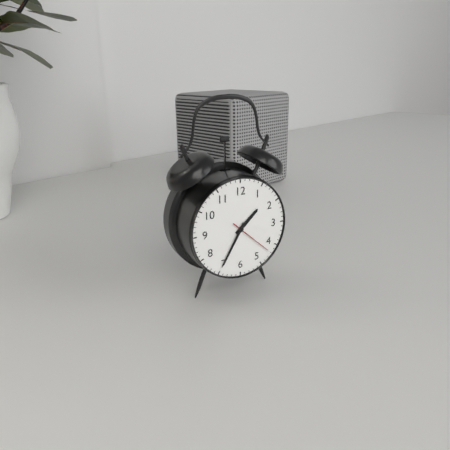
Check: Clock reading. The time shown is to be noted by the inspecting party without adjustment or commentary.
1:35
